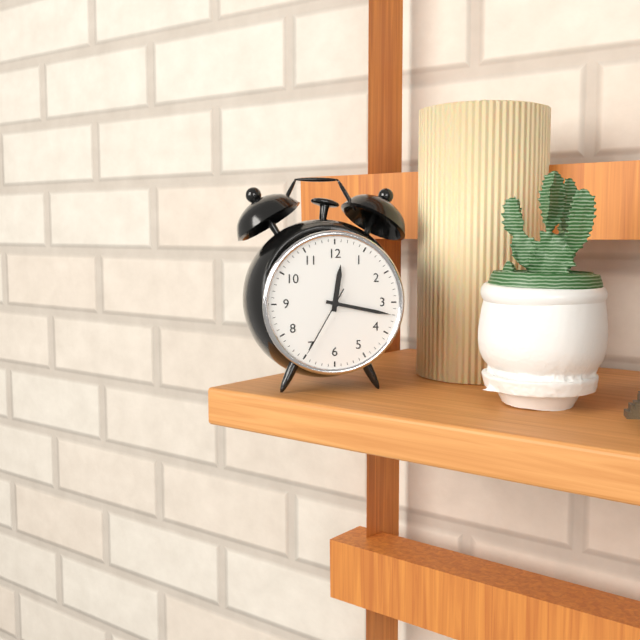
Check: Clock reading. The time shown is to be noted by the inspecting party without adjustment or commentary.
12:17:35
